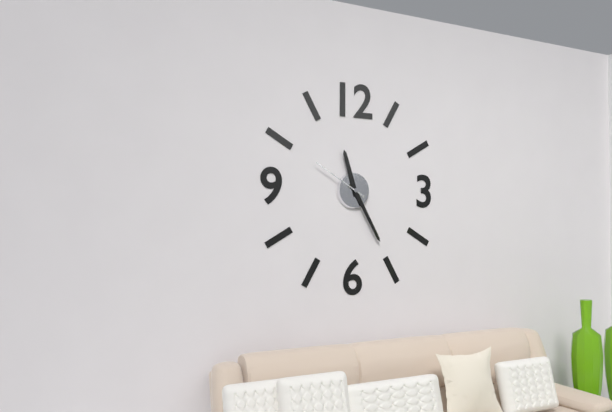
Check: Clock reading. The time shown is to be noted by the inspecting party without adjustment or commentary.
11:25:50
